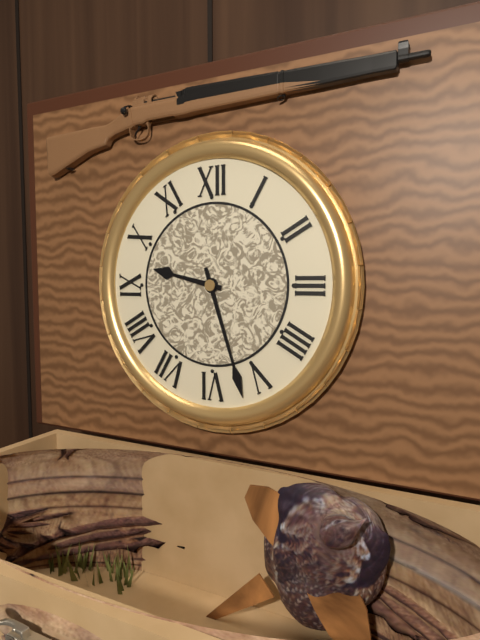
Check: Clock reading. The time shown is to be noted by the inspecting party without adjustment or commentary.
9:27
